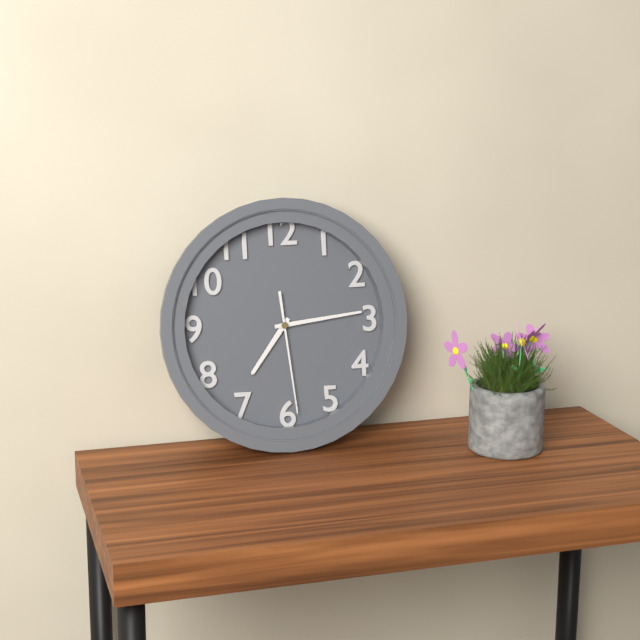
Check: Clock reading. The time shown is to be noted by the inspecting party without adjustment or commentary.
7:14:29
